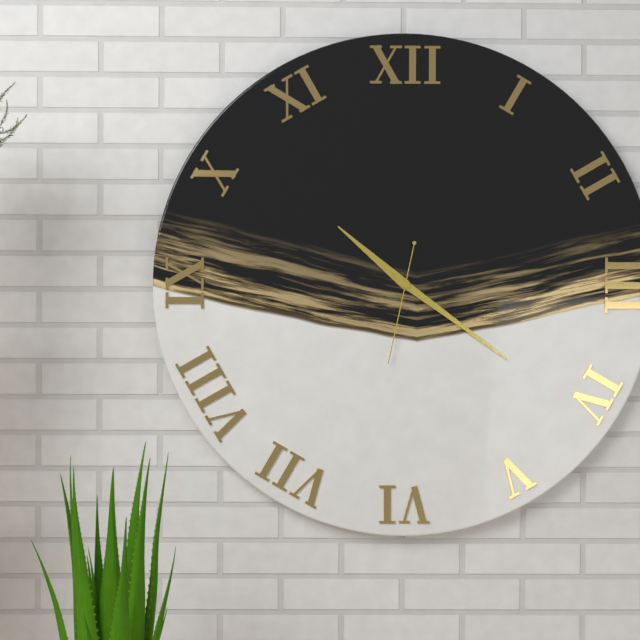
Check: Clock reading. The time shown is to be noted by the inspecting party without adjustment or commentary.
10:21:32
